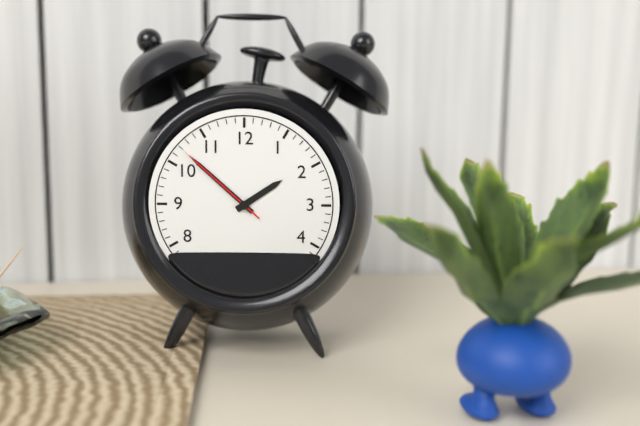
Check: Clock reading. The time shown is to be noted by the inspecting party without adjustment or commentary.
1:52:52
